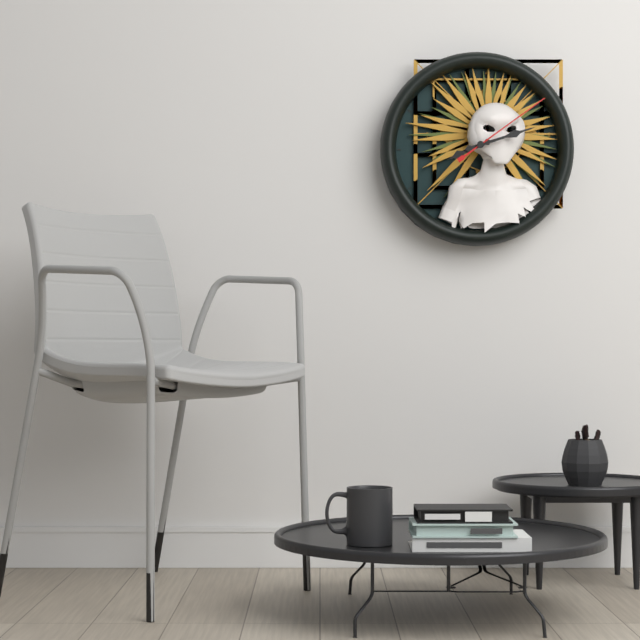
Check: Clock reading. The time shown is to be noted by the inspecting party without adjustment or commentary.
8:12:09
